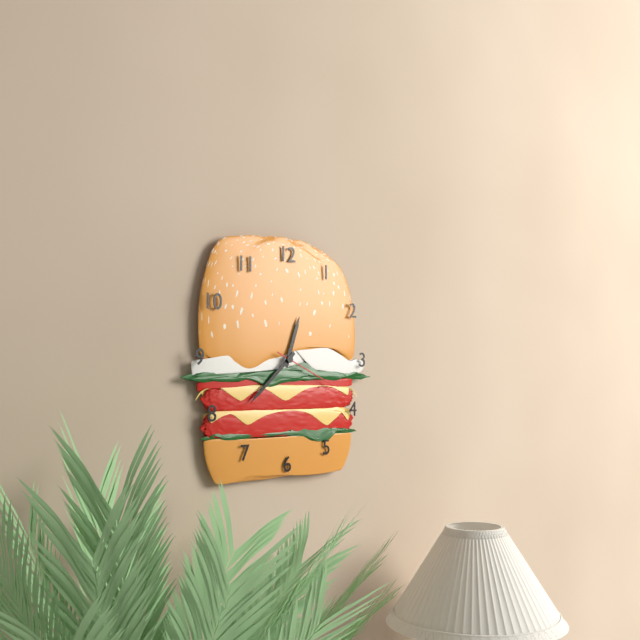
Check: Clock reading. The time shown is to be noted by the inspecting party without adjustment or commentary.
12:38:19
